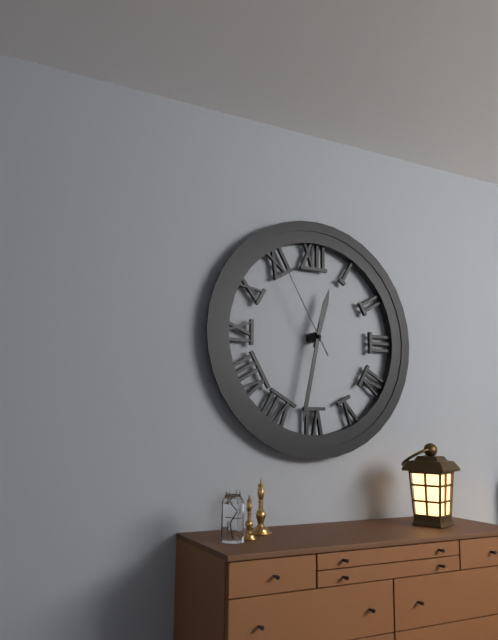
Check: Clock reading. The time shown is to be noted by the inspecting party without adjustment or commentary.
12:32:55
